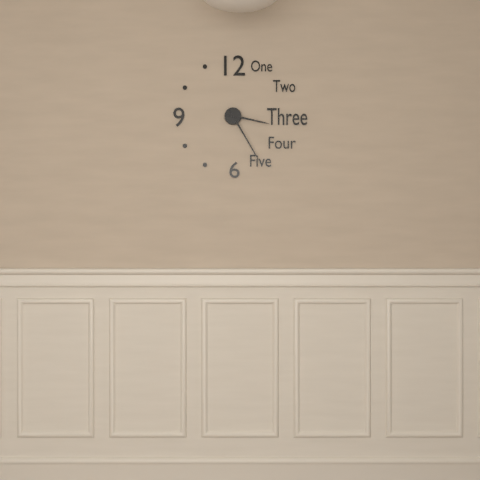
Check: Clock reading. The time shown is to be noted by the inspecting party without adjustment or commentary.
3:25
